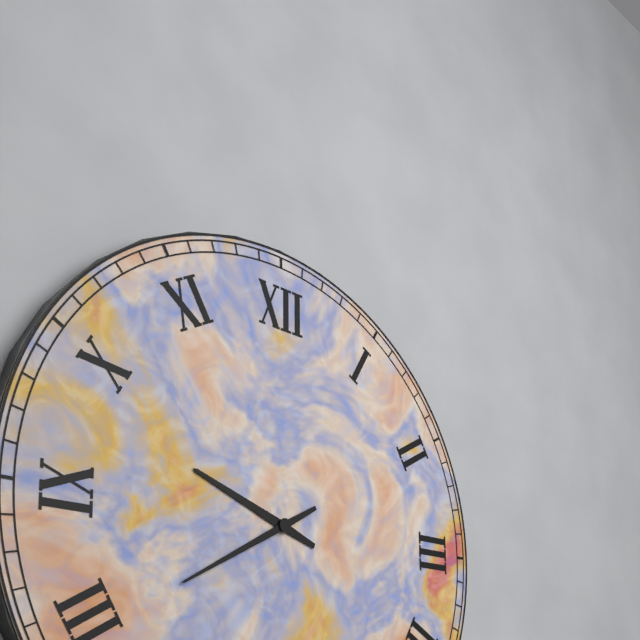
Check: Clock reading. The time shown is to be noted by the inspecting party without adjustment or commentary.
9:40
